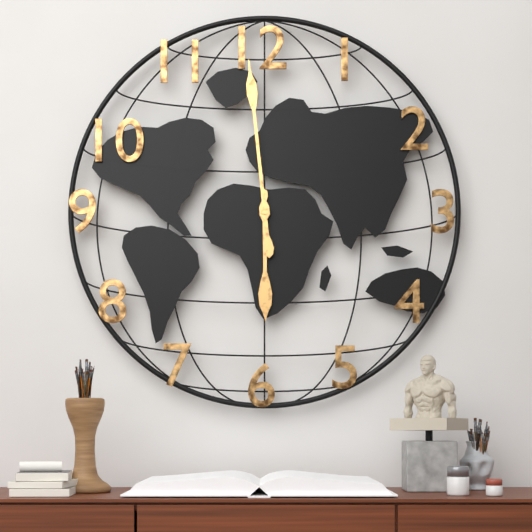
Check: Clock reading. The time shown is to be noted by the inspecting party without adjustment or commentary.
5:59
